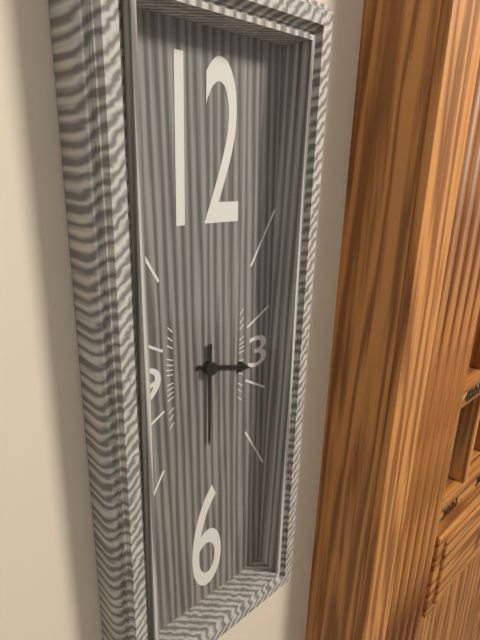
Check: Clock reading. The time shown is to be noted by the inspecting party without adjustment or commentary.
3:30
